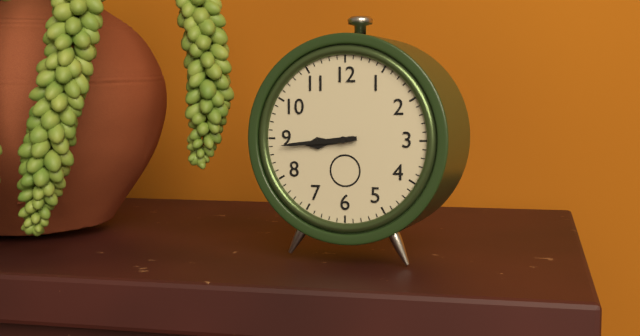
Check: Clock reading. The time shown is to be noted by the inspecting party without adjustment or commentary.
8:44
